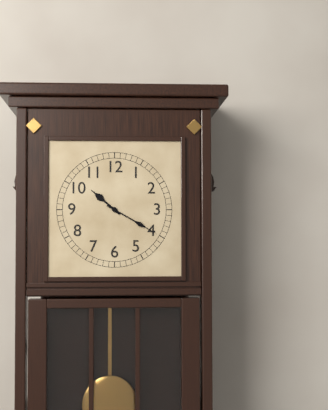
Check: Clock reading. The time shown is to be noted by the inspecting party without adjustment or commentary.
10:20
